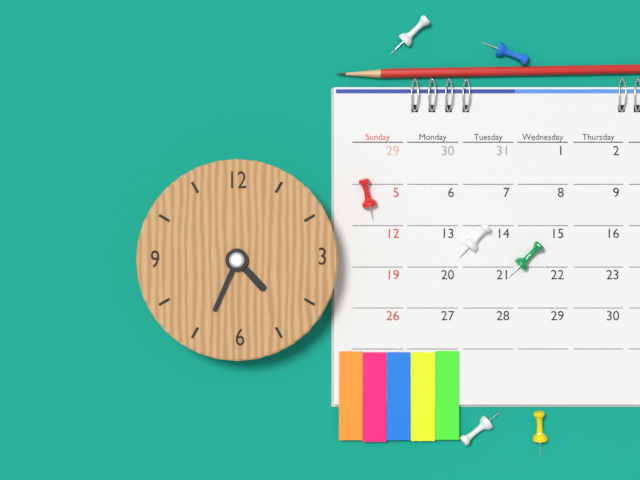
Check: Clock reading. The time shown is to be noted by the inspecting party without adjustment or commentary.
4:34
